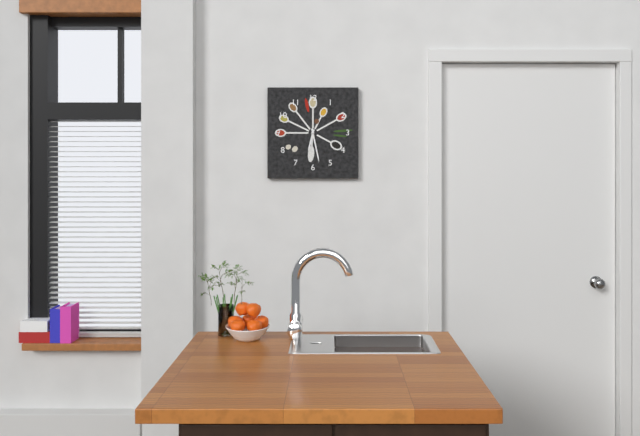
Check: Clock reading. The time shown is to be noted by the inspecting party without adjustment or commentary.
6:28
